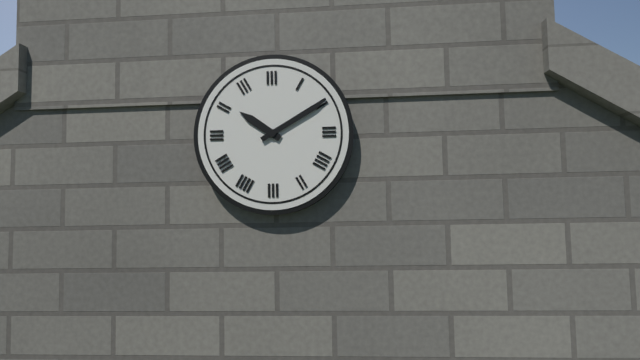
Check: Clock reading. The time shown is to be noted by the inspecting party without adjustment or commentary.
10:10
